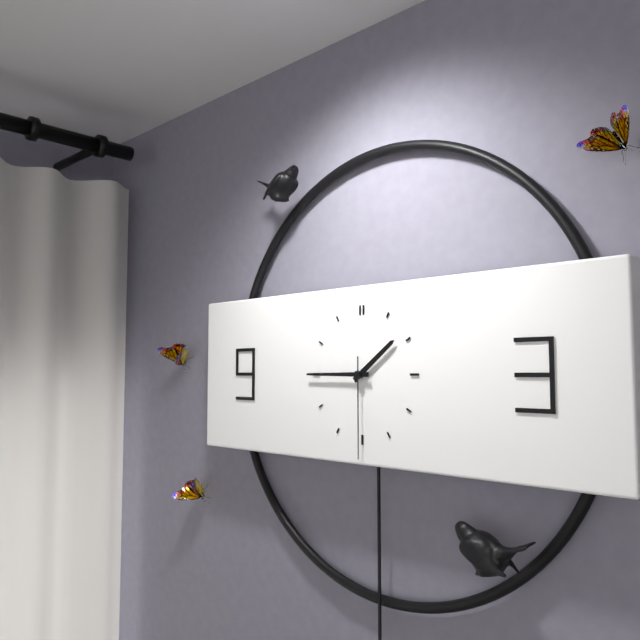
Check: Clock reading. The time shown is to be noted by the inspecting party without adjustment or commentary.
1:45:30
